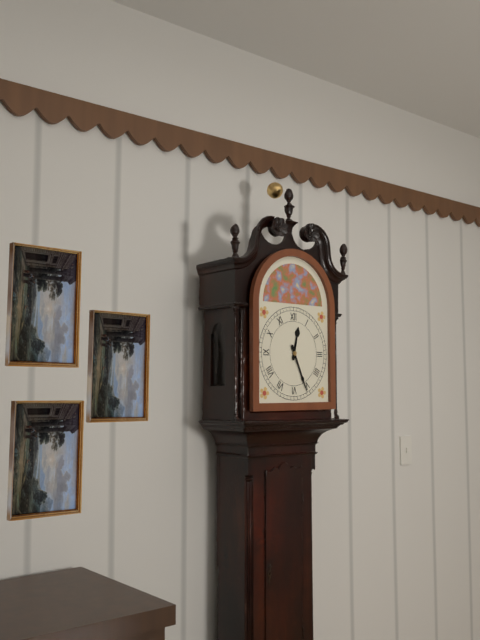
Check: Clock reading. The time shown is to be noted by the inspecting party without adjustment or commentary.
12:26
